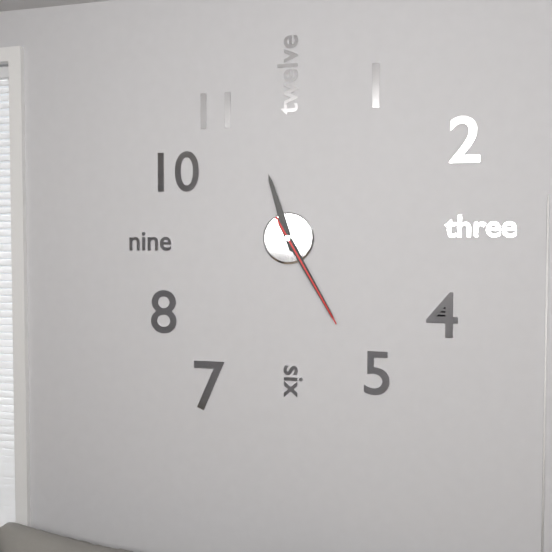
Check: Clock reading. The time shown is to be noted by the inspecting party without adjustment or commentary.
11:25:25
